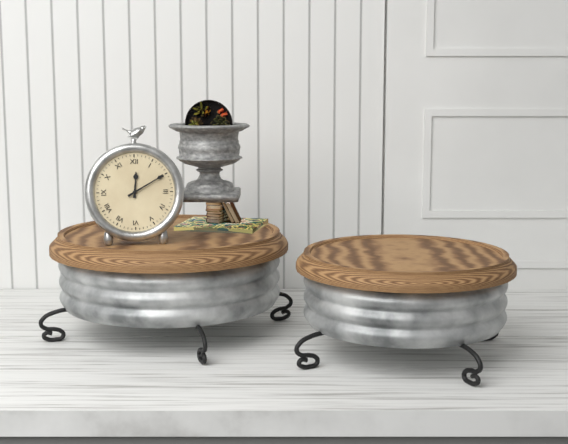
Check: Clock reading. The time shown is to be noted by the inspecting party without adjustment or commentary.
12:10
